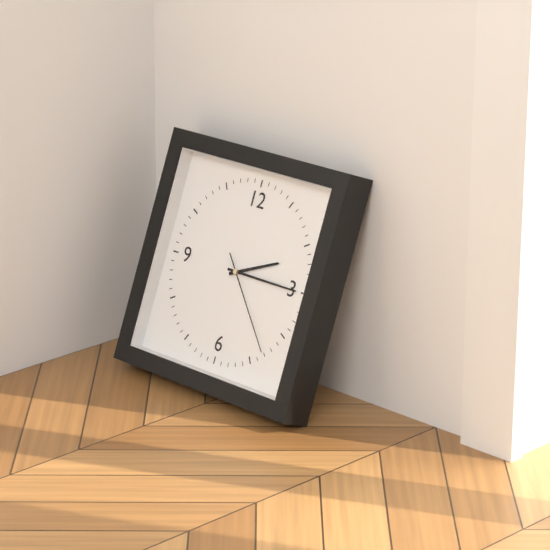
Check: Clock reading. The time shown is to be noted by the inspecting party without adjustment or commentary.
2:15:23
